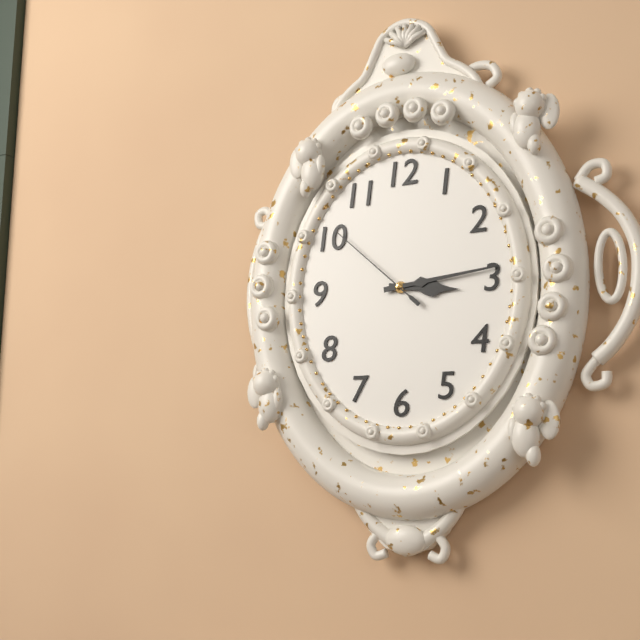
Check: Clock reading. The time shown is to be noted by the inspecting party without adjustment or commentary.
3:14:52
